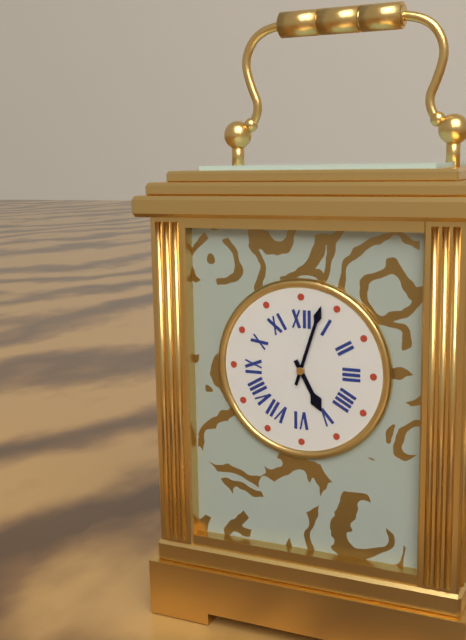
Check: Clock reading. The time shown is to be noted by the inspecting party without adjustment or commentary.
5:03
